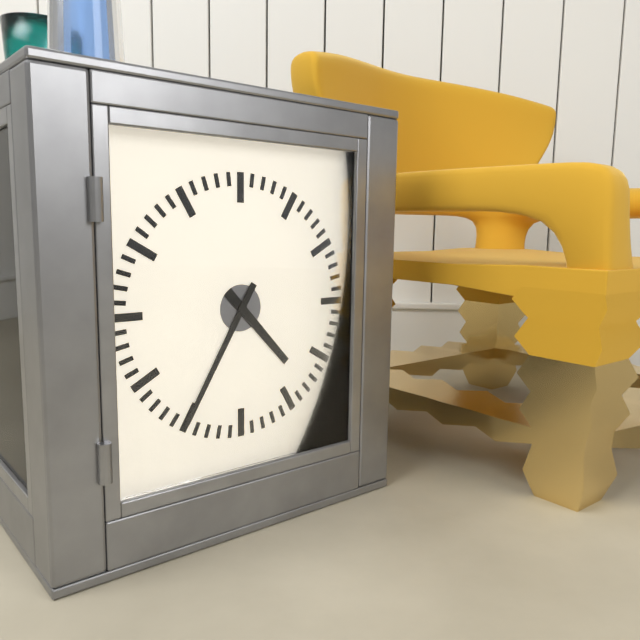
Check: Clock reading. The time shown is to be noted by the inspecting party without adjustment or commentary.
4:35
